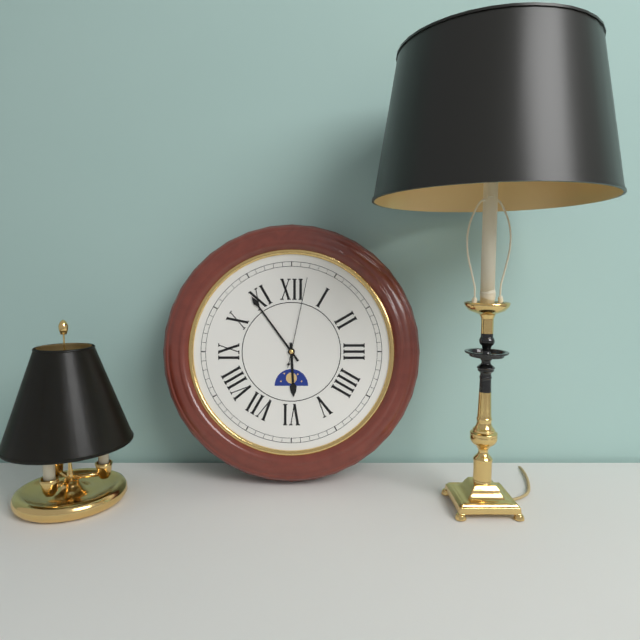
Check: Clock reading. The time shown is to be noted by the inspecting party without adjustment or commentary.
5:54:02
